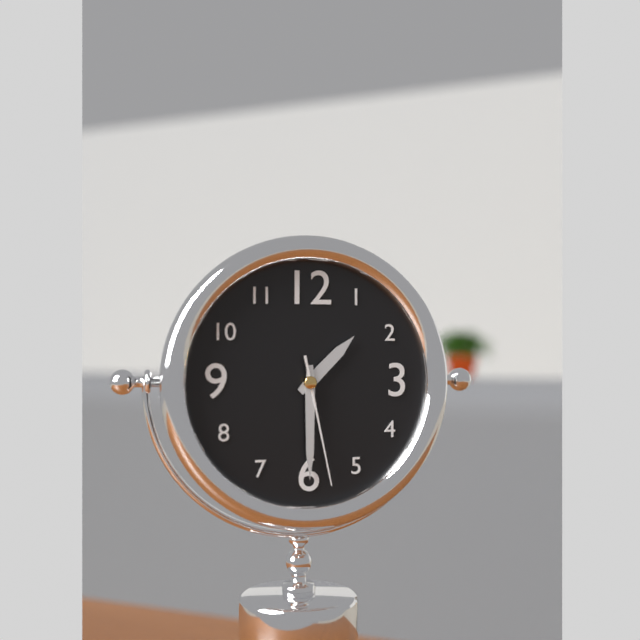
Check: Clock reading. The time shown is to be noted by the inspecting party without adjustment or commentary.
1:30:28
